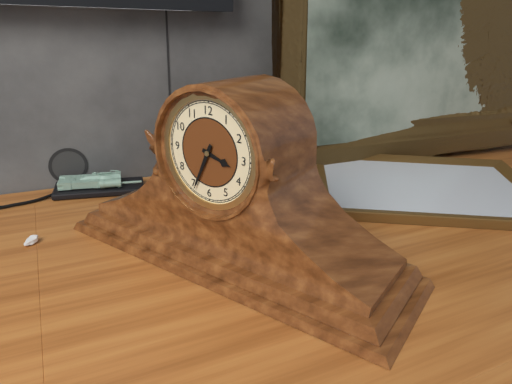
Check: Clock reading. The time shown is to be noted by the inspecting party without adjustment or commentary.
3:34
